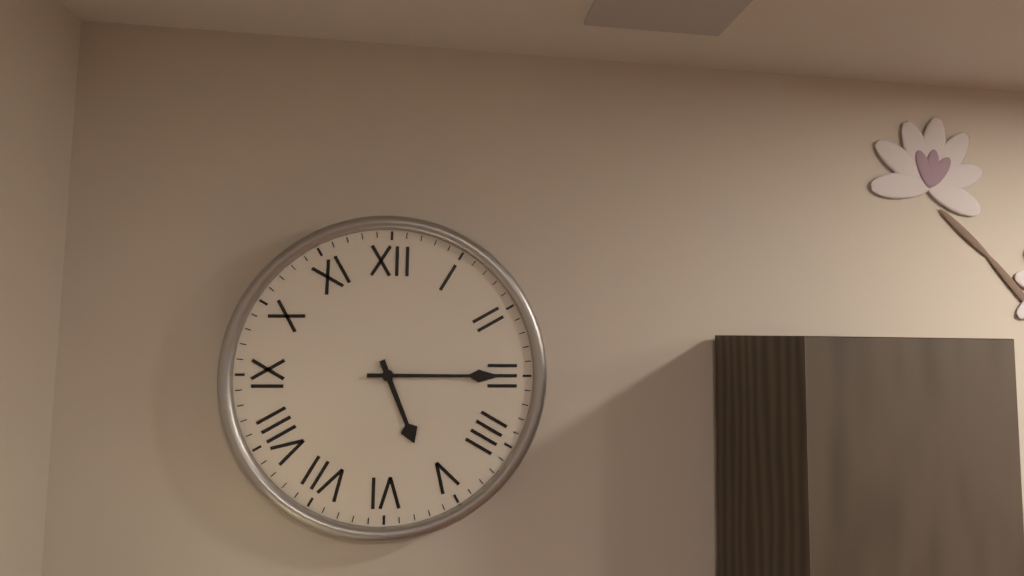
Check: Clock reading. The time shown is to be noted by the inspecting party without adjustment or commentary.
5:15
